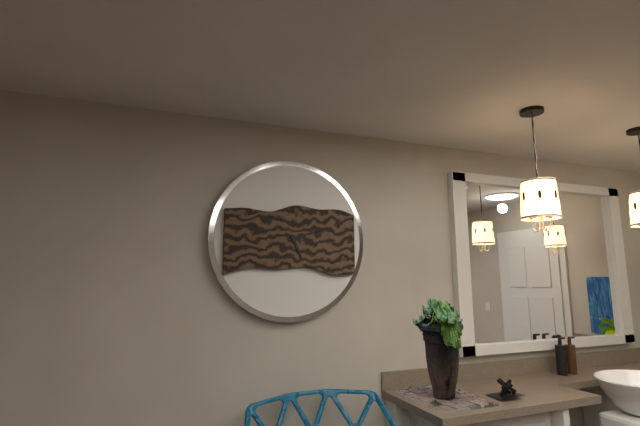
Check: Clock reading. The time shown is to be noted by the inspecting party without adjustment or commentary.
5:12
